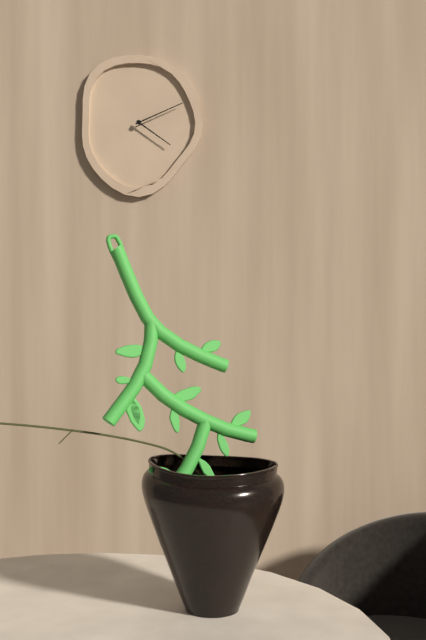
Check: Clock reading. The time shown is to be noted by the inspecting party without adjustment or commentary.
4:11
